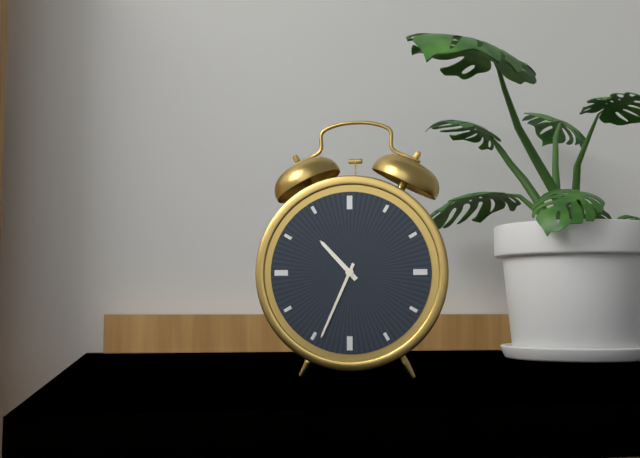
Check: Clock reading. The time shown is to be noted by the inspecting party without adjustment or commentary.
10:34
